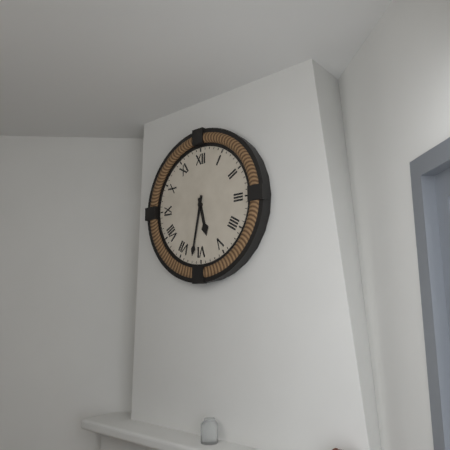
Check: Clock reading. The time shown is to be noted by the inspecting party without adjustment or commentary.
5:32
